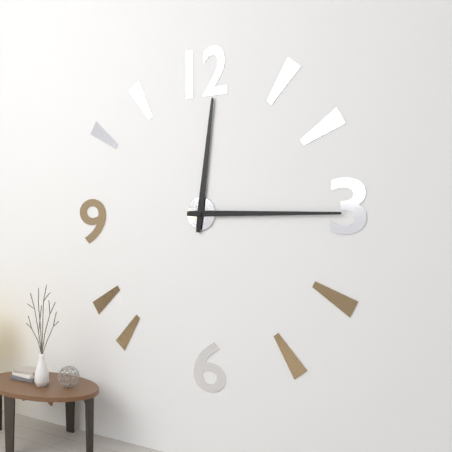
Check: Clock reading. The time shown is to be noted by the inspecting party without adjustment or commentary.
12:15
